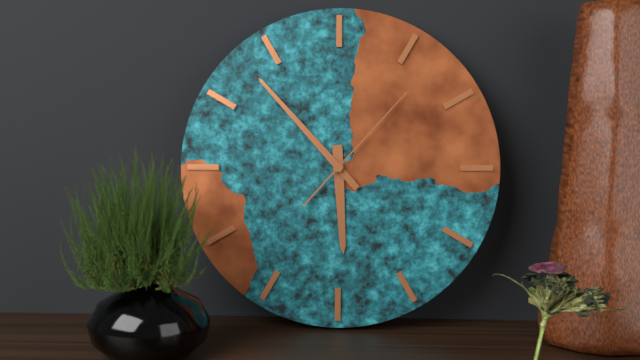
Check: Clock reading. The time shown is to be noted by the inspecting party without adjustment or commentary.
5:53:07
